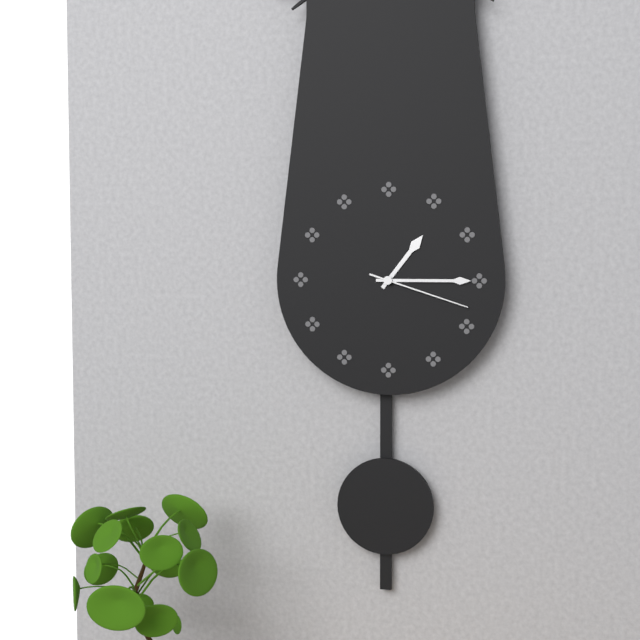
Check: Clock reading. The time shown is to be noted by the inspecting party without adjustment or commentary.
1:15:18
